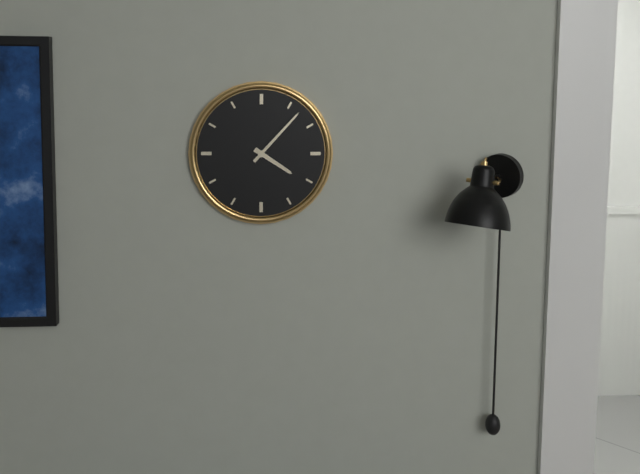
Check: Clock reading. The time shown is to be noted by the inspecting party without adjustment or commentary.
4:07
